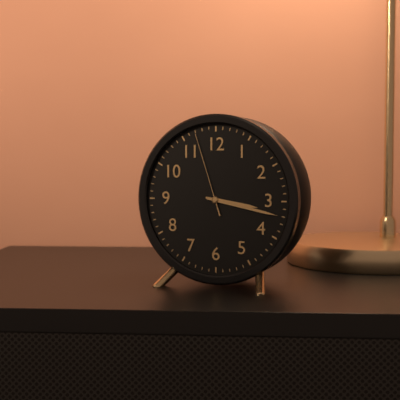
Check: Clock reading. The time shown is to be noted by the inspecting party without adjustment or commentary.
3:17:57
